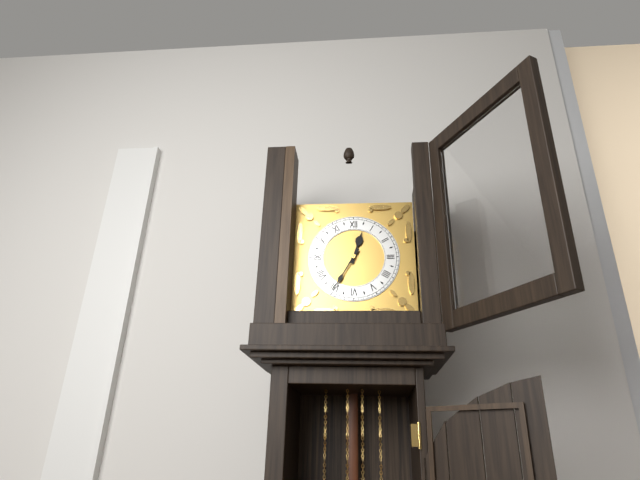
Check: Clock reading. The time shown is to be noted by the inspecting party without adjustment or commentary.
12:35
